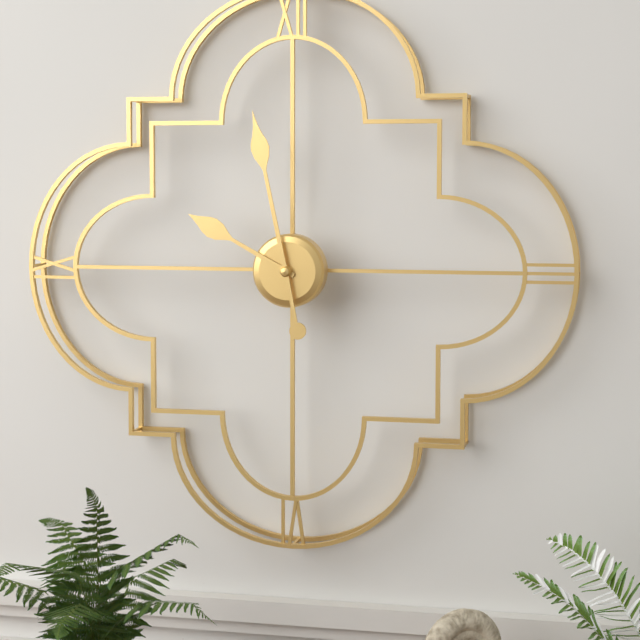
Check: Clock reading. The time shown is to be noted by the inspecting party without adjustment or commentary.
9:58
